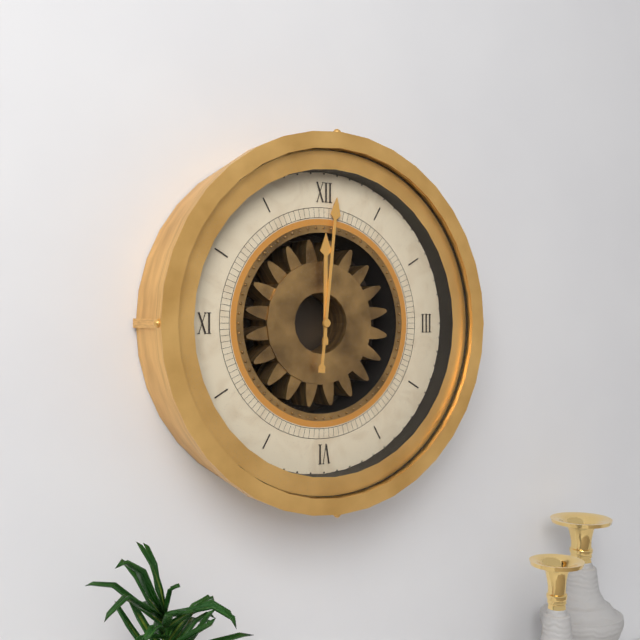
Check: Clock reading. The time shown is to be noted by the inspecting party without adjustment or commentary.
12:01
